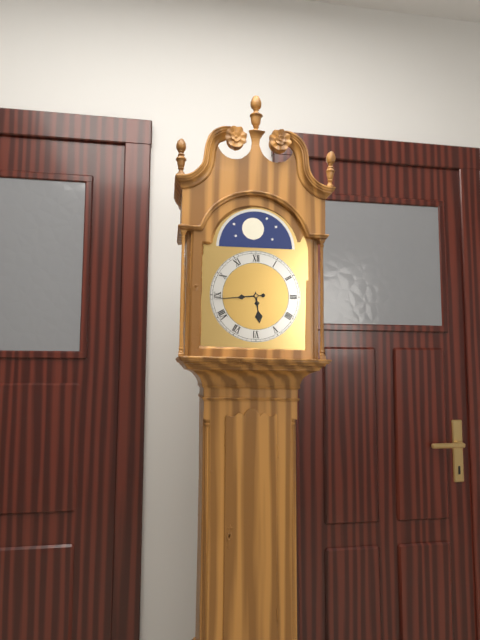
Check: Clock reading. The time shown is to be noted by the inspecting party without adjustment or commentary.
5:44
